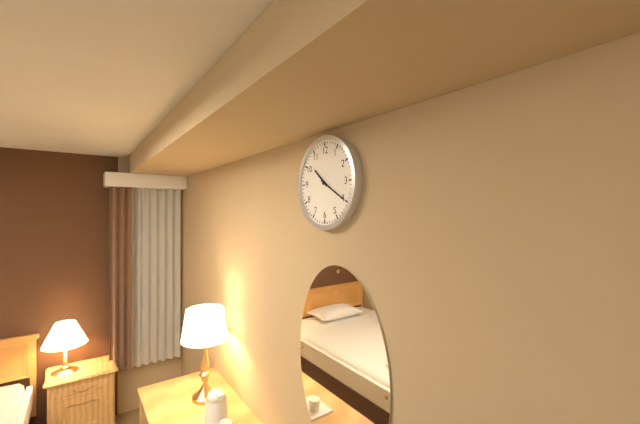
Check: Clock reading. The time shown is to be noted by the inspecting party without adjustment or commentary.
10:20
